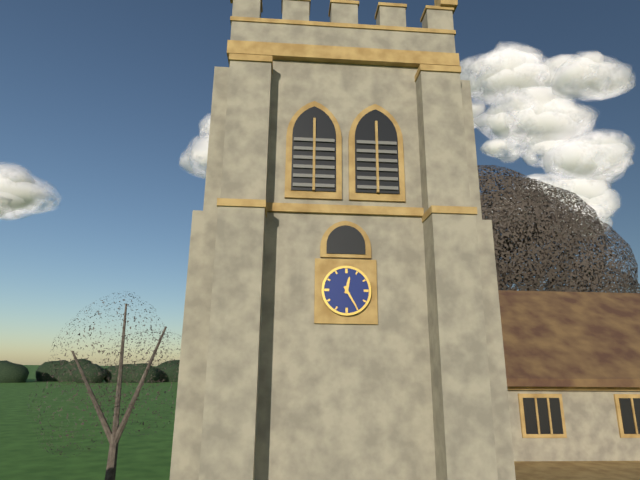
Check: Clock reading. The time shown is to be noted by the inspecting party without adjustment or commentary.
12:25
